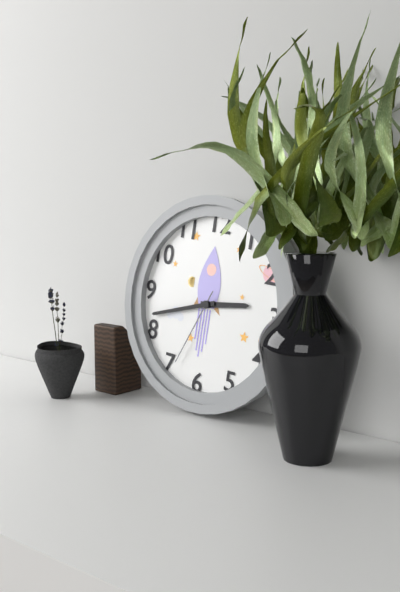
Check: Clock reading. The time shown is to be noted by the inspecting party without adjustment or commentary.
2:42:34
